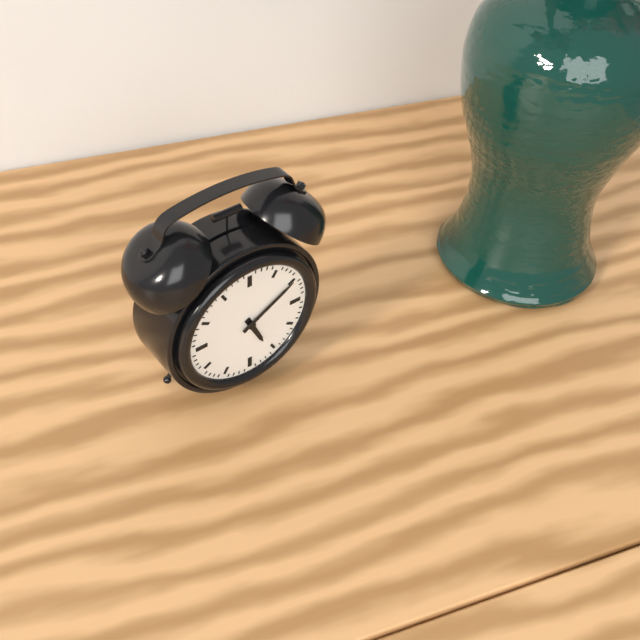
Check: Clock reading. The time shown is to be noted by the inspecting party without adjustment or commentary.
5:10
